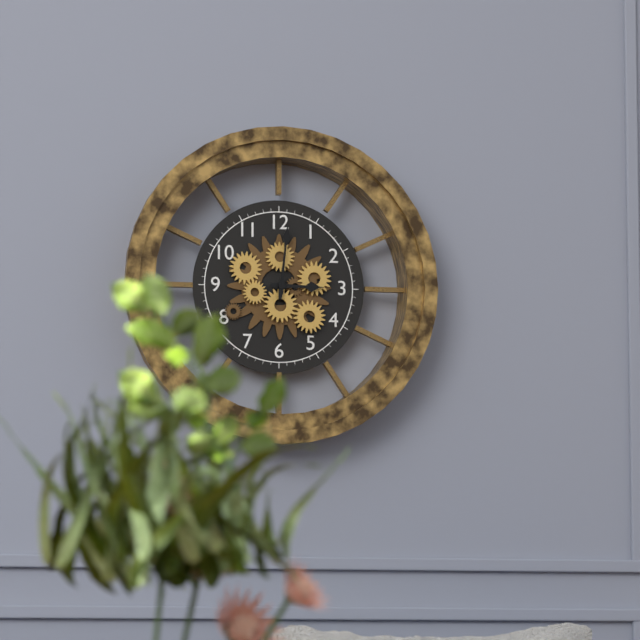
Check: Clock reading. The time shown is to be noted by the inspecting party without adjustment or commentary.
3:01
